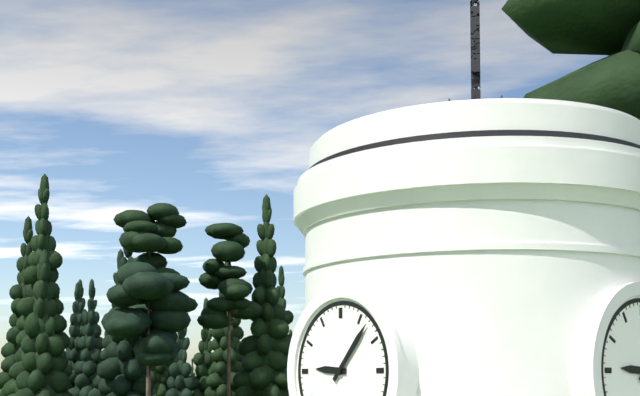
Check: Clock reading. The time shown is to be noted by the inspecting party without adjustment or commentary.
9:07
